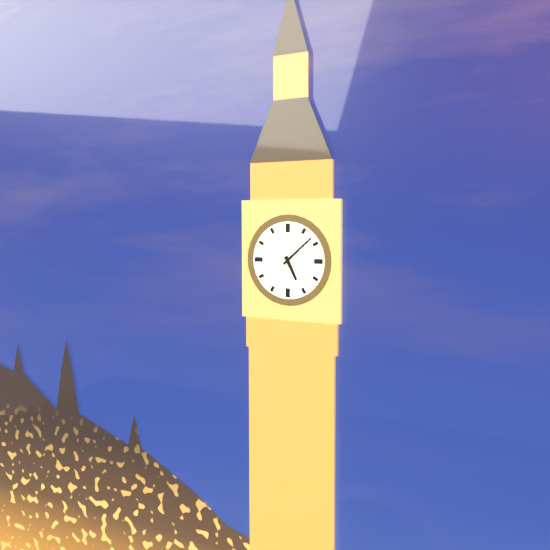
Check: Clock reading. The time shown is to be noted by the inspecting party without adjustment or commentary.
5:08
